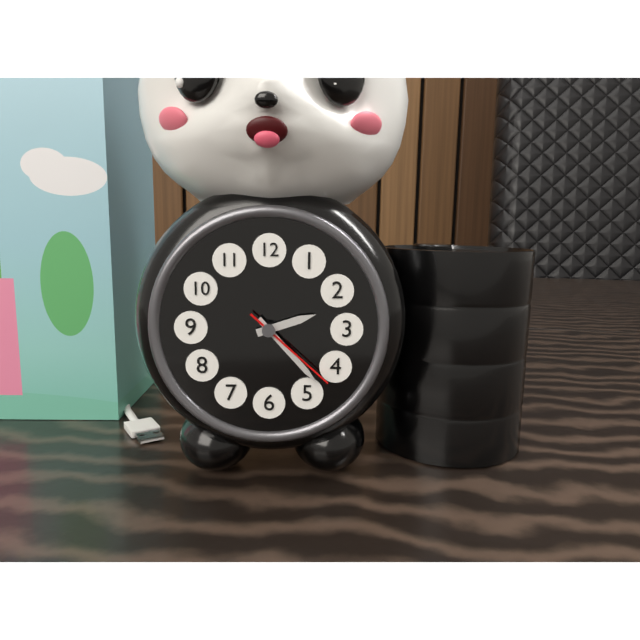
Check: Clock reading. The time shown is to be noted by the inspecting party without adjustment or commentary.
2:23:22
